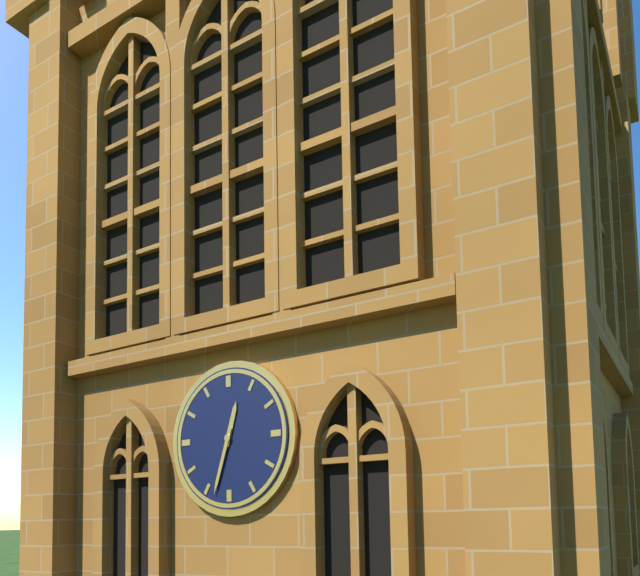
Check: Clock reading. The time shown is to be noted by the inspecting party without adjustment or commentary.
12:33
